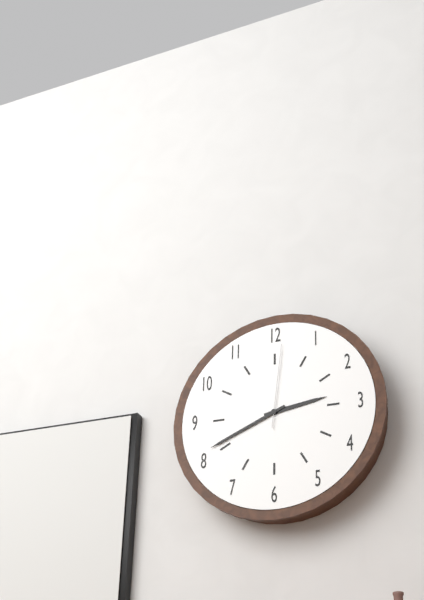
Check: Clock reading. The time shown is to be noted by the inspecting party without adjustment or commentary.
2:41:01
